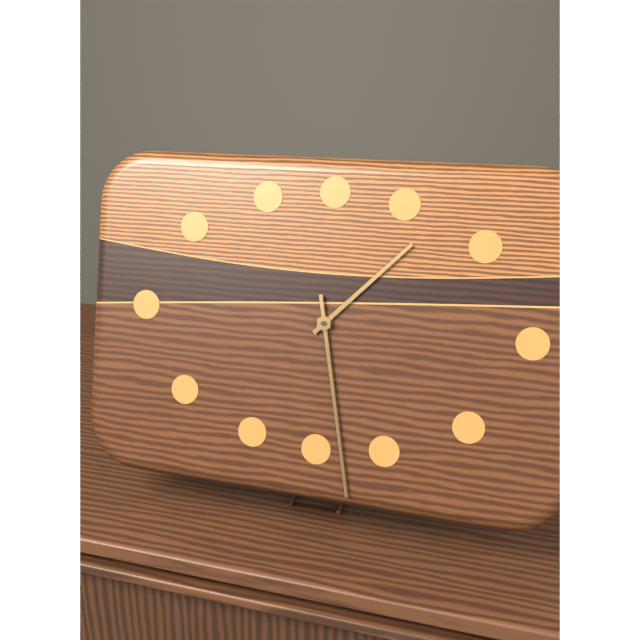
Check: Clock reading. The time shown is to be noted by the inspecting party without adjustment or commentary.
1:28
